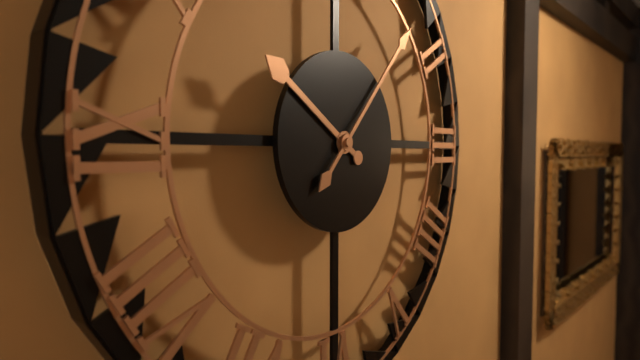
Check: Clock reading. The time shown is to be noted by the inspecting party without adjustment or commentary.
10:07
